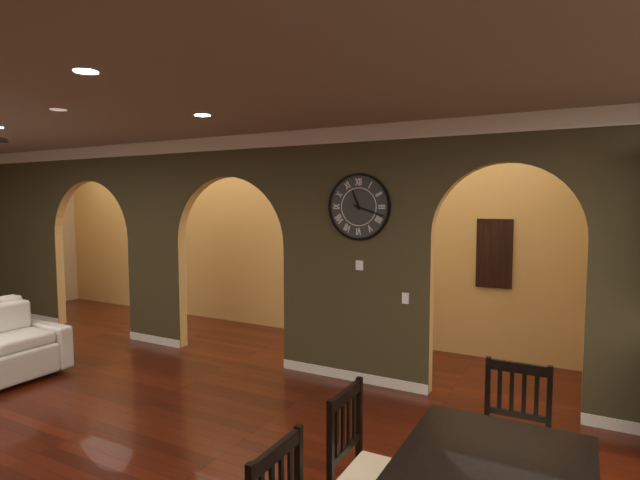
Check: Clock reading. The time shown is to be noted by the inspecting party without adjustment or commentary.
11:18
